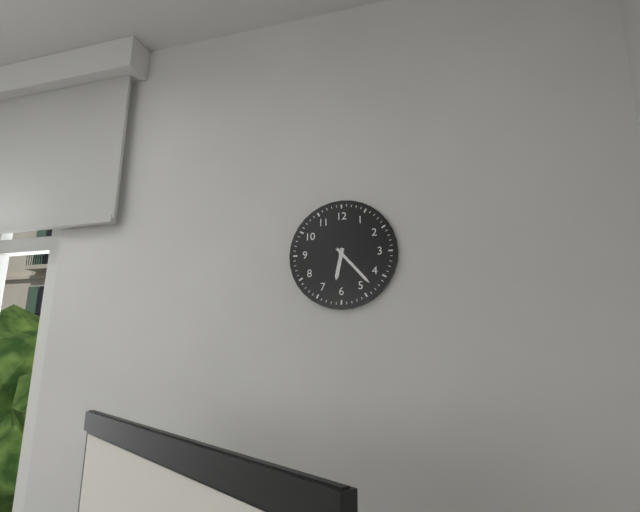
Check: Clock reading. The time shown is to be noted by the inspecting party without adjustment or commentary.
6:23
